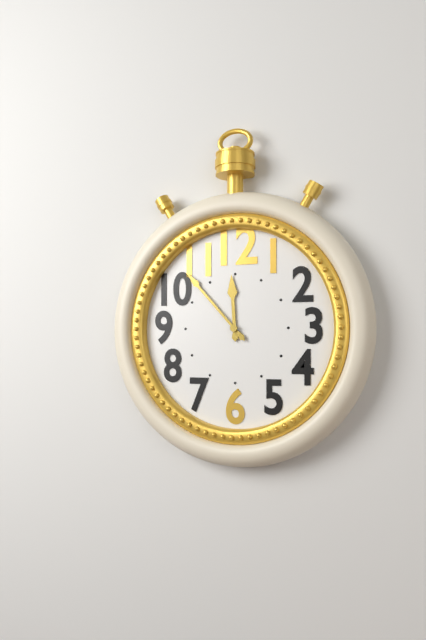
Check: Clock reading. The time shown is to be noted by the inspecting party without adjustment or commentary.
11:53
